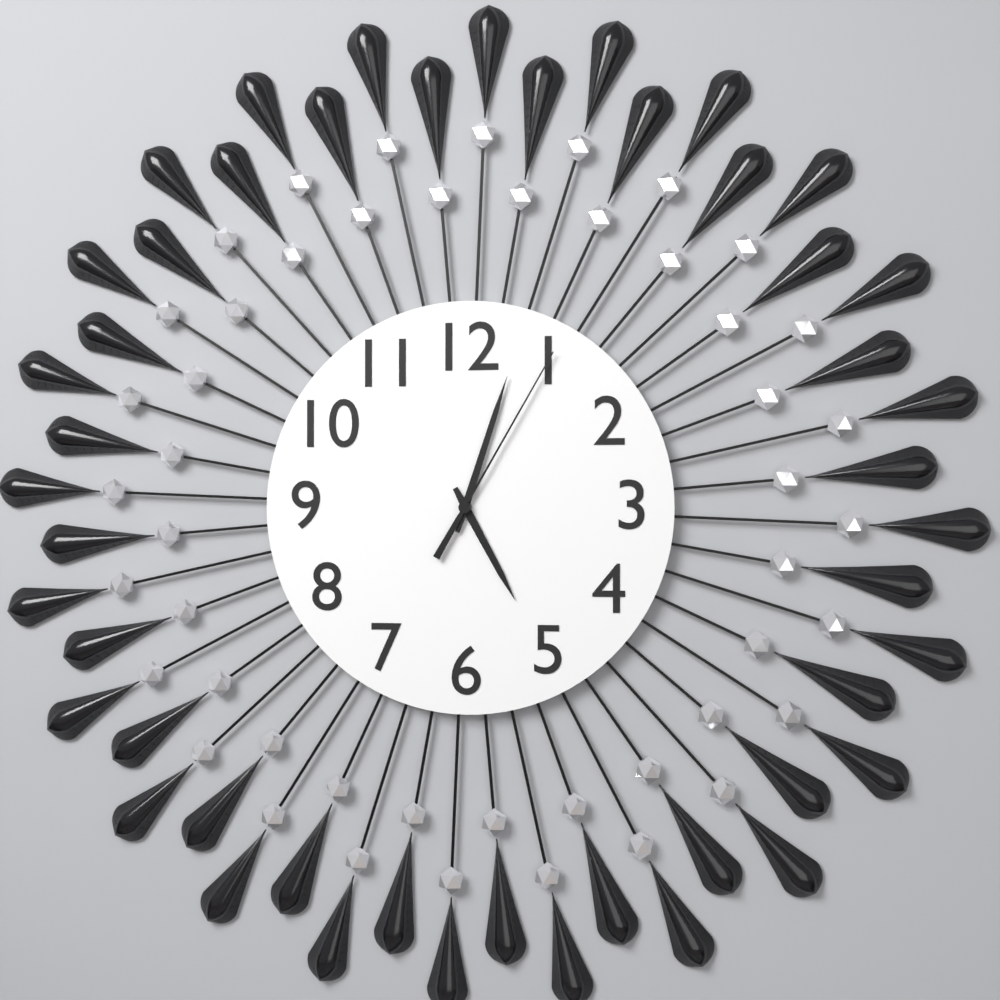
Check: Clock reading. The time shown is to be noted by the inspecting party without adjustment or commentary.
5:03:05
